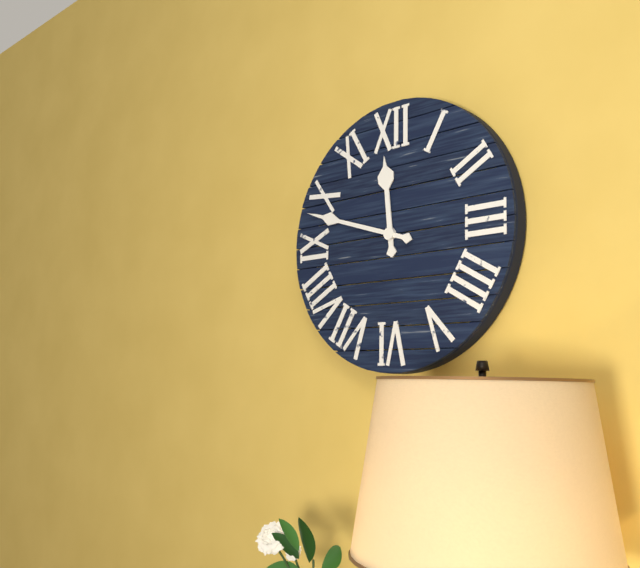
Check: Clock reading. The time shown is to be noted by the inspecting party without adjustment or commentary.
11:48
